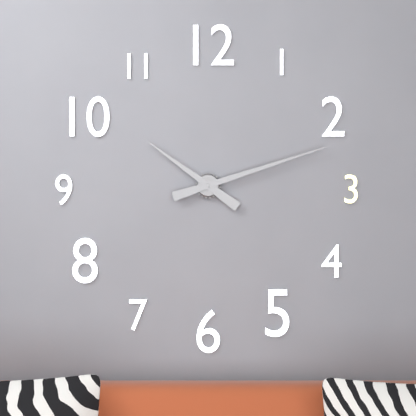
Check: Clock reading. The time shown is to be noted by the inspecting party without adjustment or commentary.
10:12
